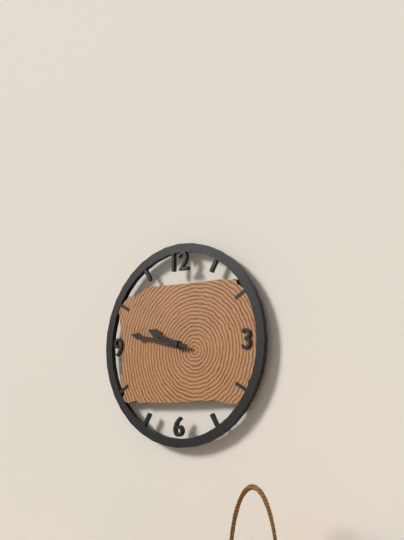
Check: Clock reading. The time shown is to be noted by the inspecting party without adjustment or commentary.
9:47
